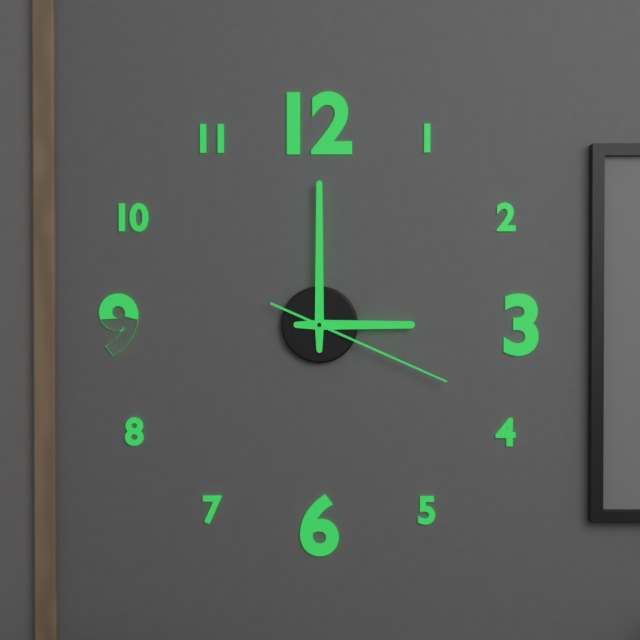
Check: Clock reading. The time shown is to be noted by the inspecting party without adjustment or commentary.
3:00:19
